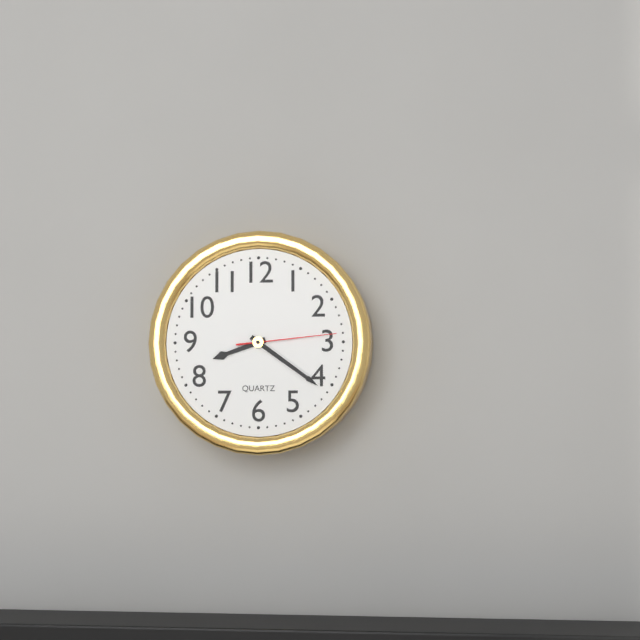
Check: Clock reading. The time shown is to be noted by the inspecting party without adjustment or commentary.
8:21:14
